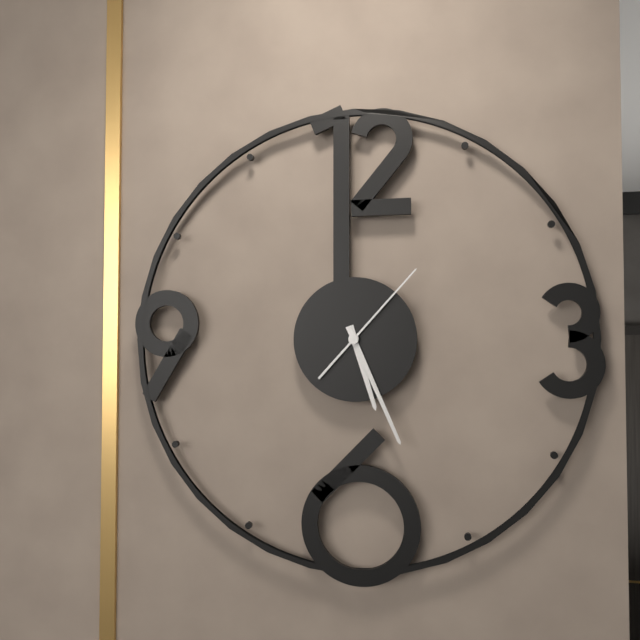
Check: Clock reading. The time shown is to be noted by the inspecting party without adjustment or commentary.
5:26:07
